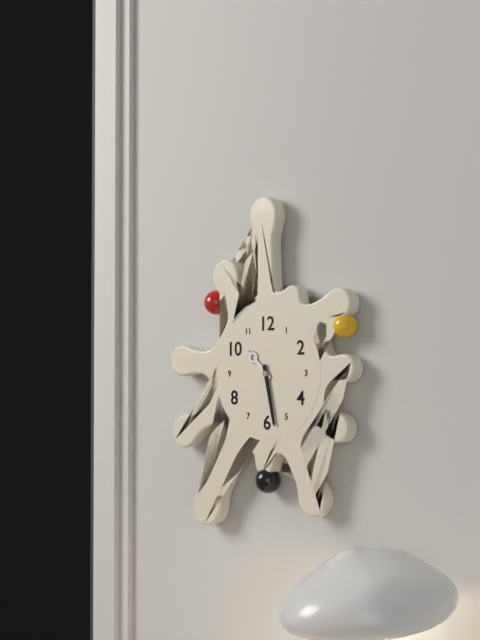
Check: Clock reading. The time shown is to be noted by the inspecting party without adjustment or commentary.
10:28
